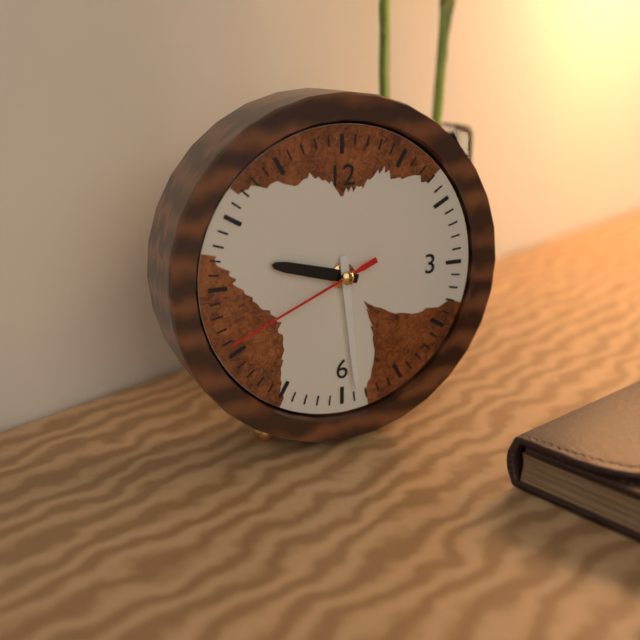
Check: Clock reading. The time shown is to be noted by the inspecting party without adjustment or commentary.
9:29:41
